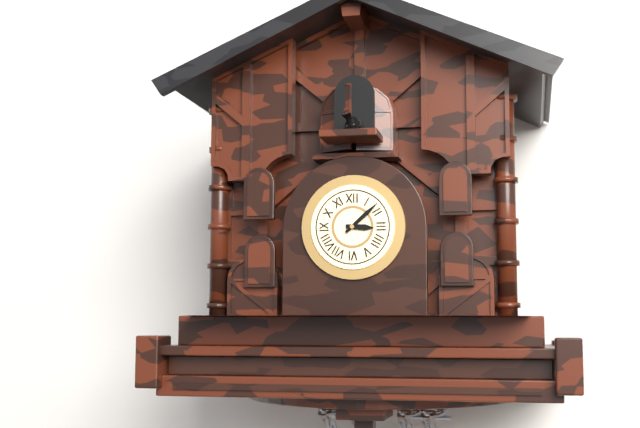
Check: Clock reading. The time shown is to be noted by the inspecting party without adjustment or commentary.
3:08
